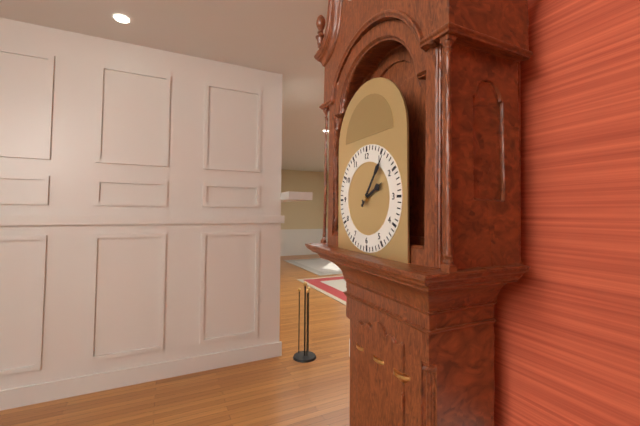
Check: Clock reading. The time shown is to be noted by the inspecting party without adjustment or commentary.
2:06
